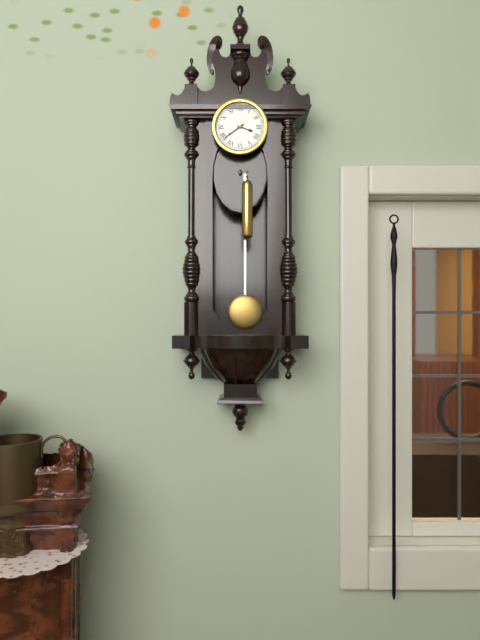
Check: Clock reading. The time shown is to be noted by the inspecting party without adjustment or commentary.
3:39
